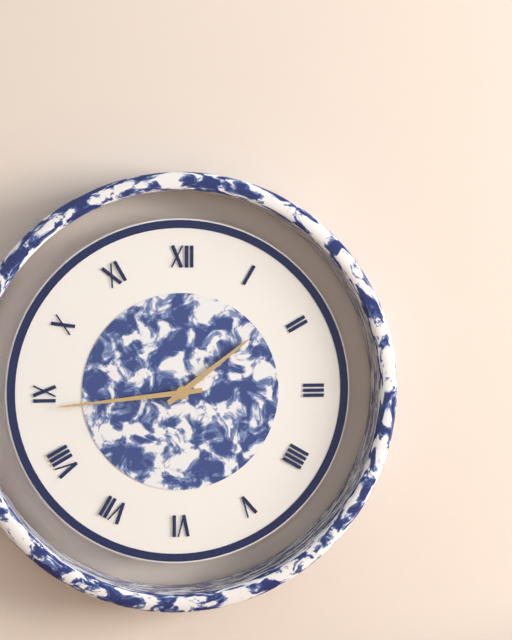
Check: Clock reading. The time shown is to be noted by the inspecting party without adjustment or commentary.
1:44
